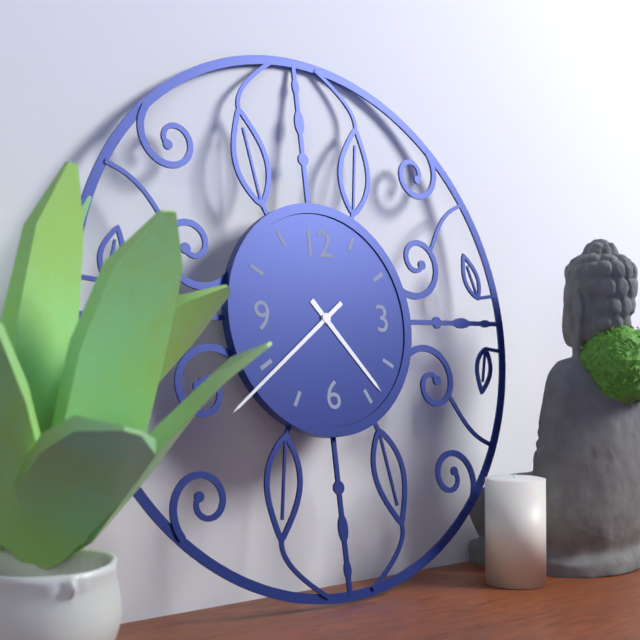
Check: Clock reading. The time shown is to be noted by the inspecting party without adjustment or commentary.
4:39
